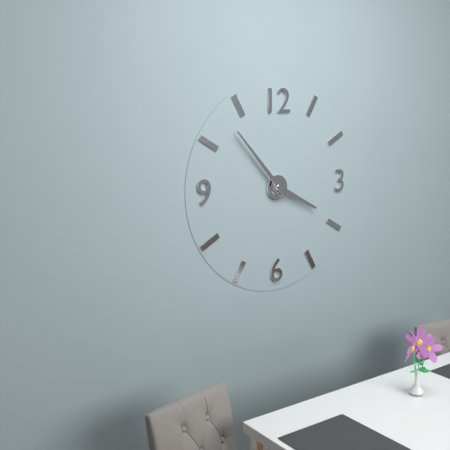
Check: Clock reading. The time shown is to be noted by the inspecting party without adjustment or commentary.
3:53
